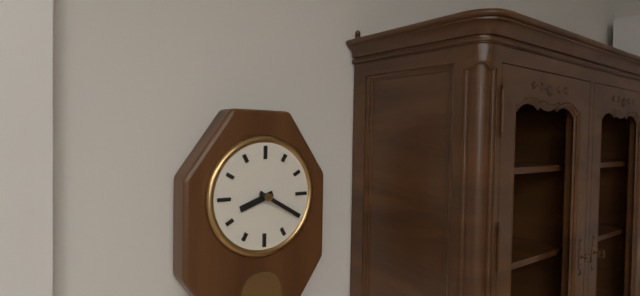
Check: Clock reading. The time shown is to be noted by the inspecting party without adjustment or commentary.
8:20
